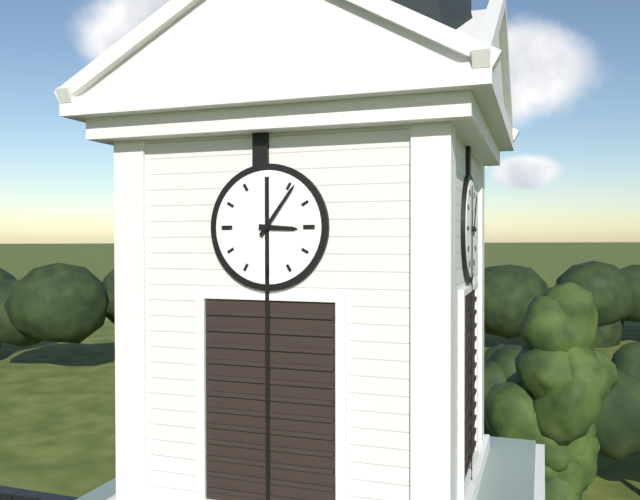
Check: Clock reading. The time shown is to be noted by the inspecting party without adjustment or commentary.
3:06
